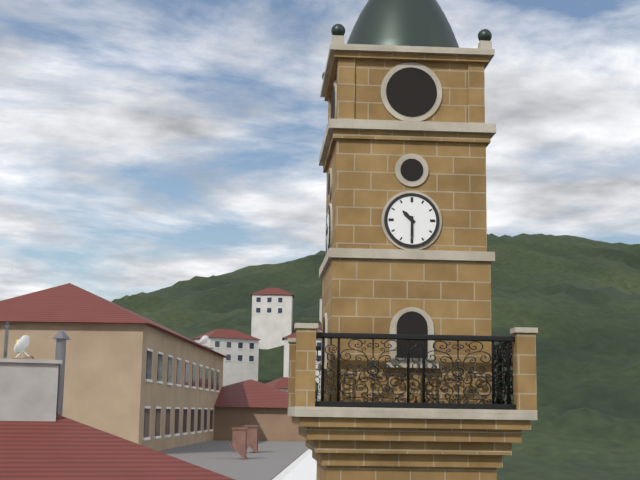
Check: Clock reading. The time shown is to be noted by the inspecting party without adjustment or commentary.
10:30
